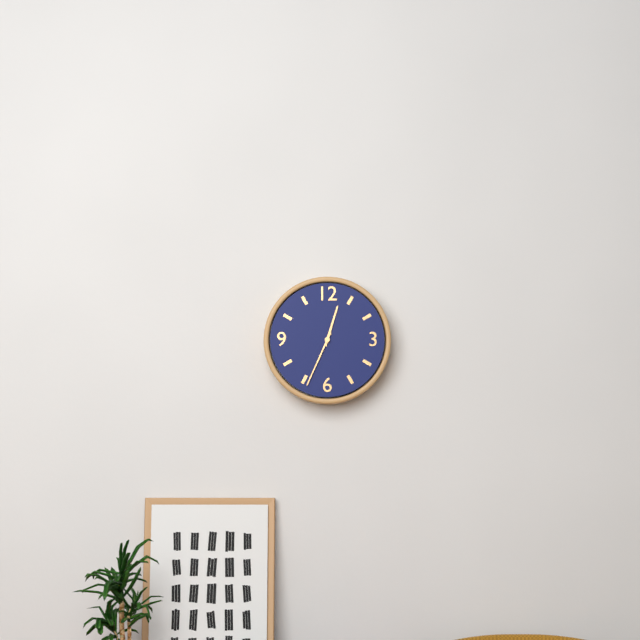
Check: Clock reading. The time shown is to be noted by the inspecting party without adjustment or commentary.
12:34
